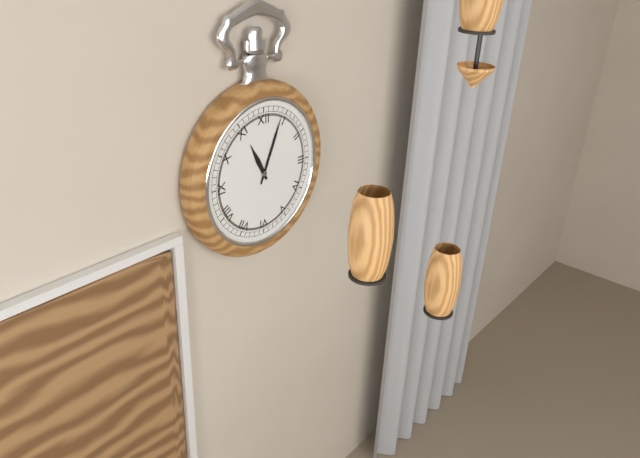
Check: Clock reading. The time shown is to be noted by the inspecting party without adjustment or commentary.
11:04
